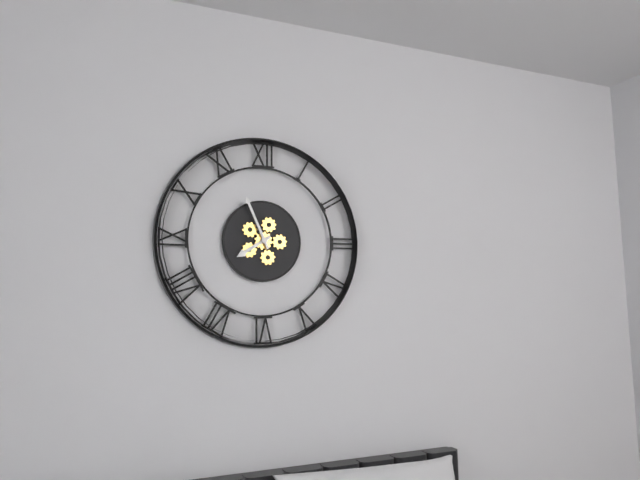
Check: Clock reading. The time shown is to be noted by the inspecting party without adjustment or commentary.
7:56
